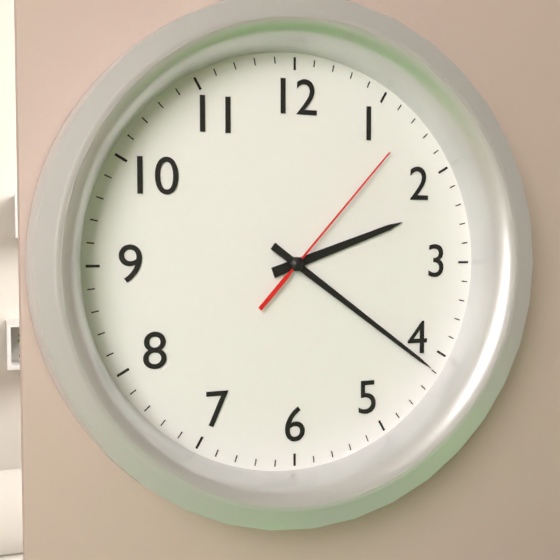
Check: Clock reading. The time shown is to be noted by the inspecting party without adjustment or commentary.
2:21:07
